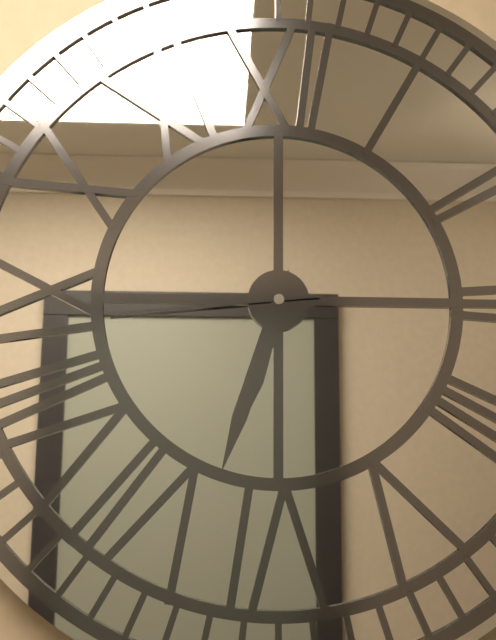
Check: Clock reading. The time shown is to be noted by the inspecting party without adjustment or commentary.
6:33:44
